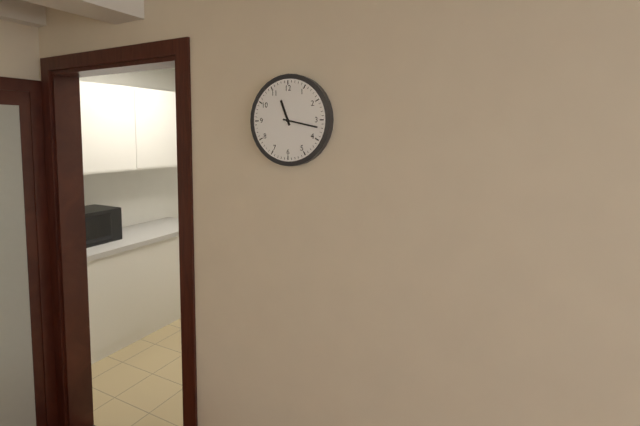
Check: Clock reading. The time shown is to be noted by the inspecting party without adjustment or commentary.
11:17
